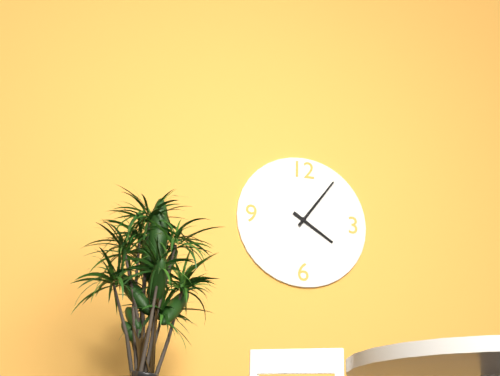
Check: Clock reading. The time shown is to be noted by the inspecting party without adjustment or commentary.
4:06
